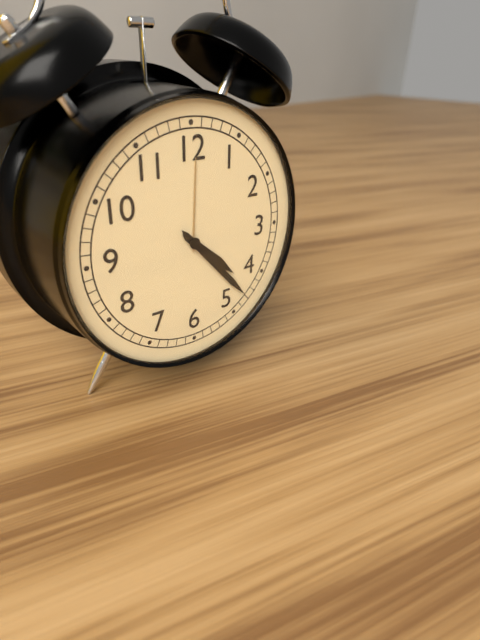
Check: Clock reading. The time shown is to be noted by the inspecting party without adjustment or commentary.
4:23
